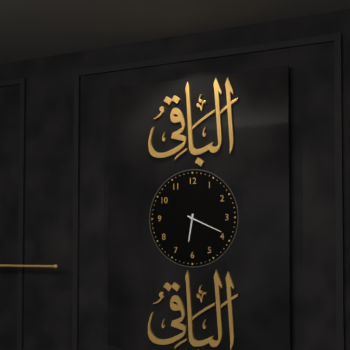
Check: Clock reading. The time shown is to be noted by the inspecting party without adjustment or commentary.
6:19
